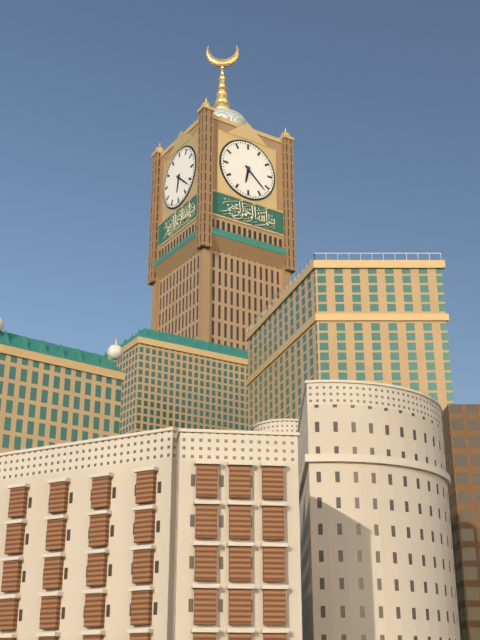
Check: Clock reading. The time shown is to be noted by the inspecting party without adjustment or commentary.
6:22
